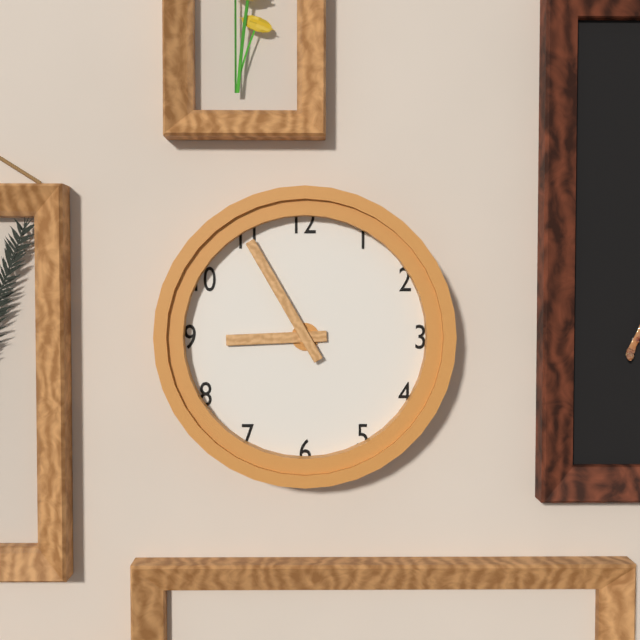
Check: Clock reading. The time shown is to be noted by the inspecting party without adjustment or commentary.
8:55
